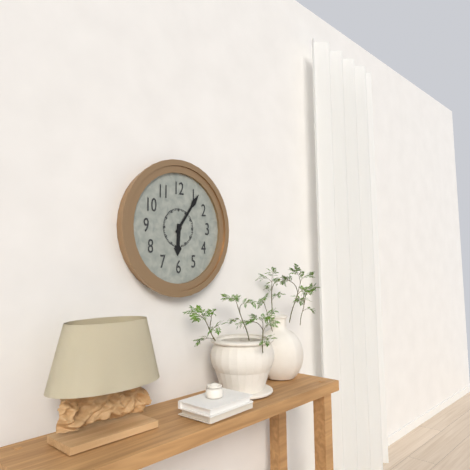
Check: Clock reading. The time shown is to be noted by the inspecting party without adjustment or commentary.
6:06
